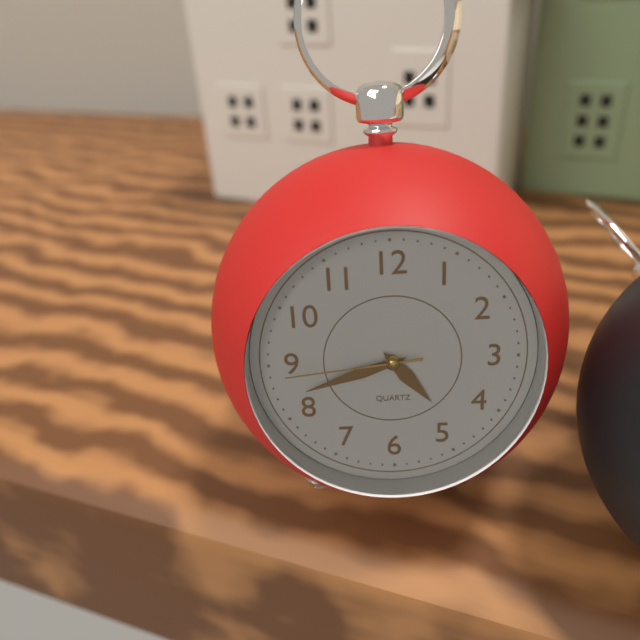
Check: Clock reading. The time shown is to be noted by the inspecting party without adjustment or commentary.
4:42:44
